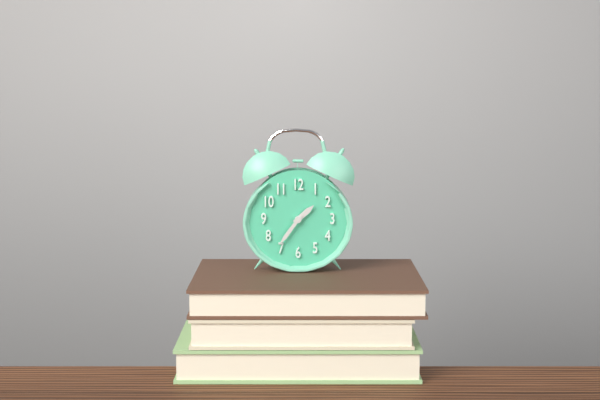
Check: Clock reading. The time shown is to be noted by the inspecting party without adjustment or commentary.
1:36
